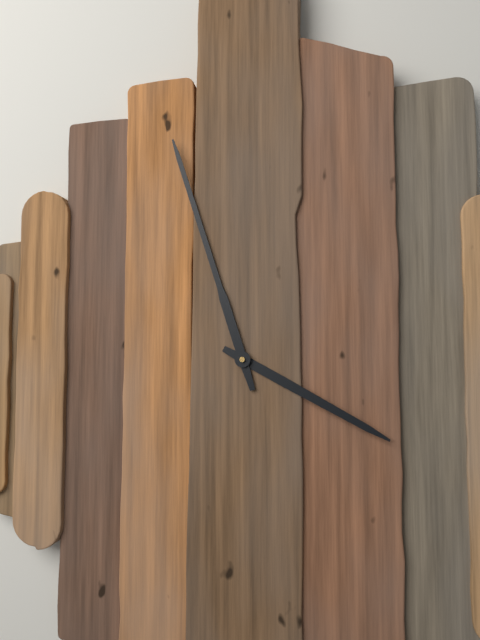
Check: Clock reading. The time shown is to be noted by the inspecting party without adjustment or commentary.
3:57
